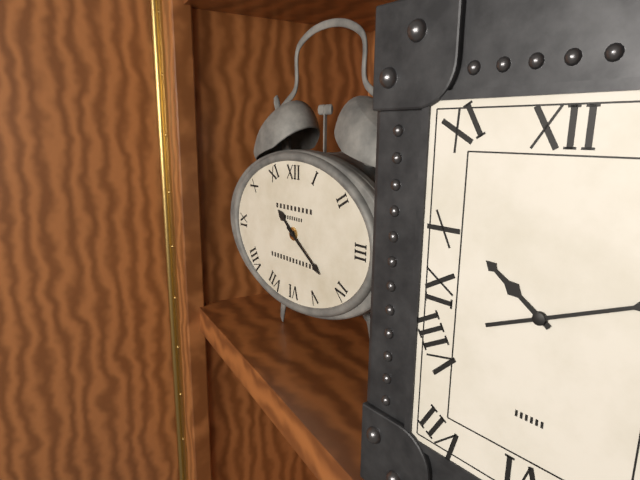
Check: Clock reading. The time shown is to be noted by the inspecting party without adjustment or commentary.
10:21
